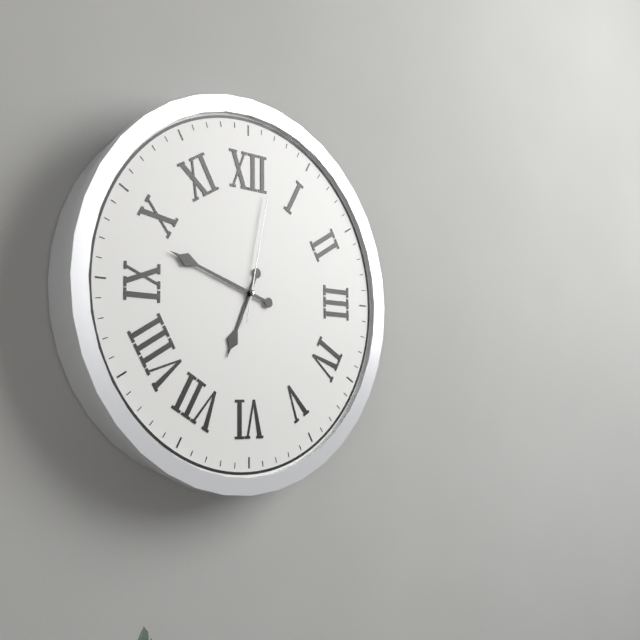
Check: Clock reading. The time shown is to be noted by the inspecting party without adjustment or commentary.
6:48:02
